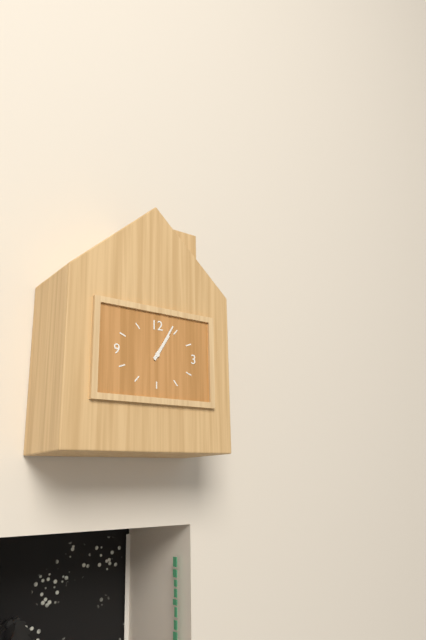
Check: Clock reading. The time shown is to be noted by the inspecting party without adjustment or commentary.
1:05
